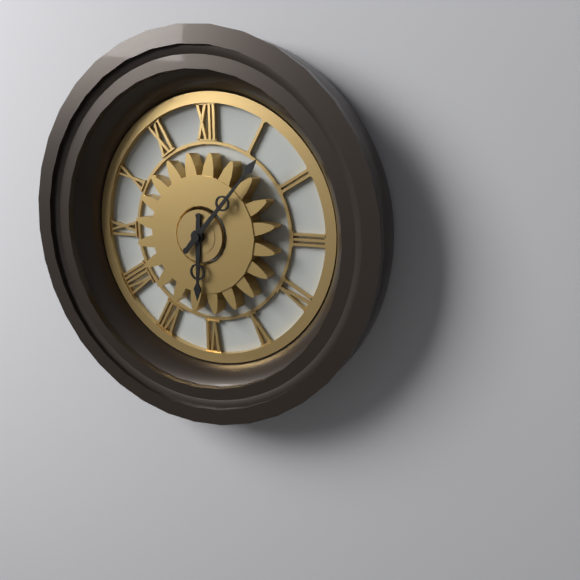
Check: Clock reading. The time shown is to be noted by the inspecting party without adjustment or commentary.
6:07
